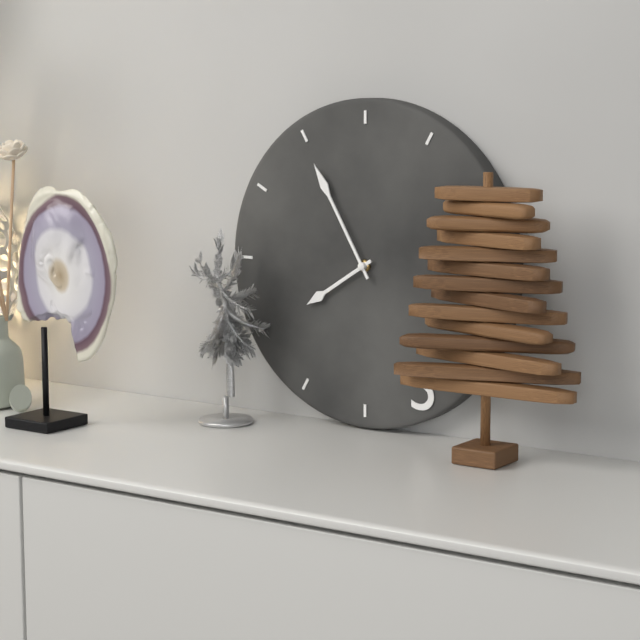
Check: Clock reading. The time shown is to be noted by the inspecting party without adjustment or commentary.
7:55
